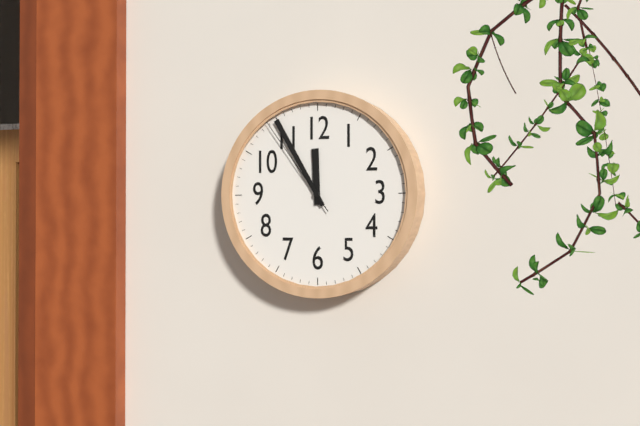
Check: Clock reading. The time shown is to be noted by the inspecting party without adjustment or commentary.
11:55:54
